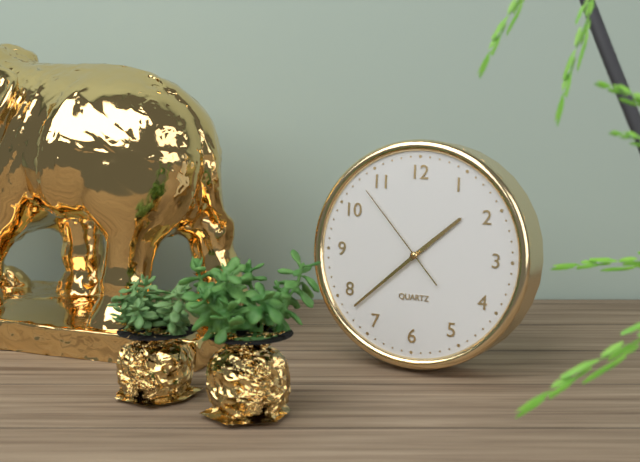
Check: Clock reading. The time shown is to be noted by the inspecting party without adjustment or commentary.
1:38:53
